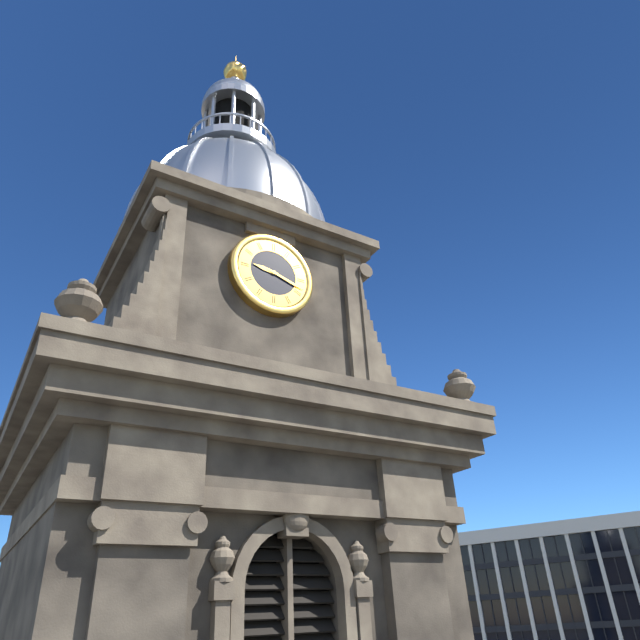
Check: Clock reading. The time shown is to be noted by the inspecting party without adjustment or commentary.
9:18
